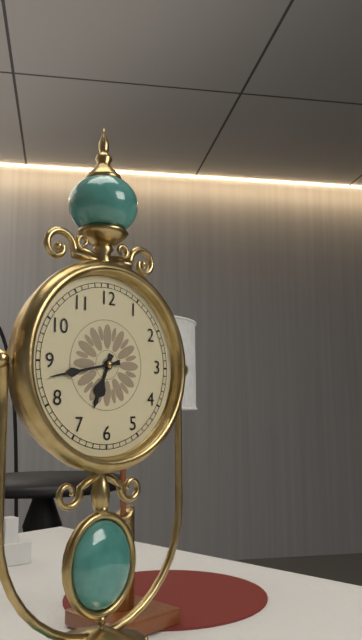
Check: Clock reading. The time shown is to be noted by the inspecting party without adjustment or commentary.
6:43
